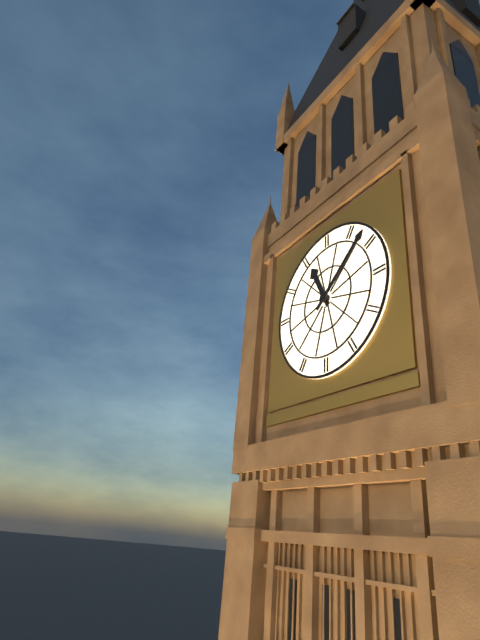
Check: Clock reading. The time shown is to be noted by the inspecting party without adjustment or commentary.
11:08
